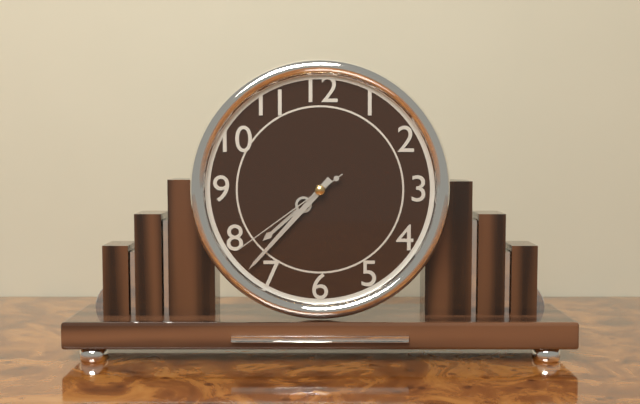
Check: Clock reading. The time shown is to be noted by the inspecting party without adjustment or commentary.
7:37:39
